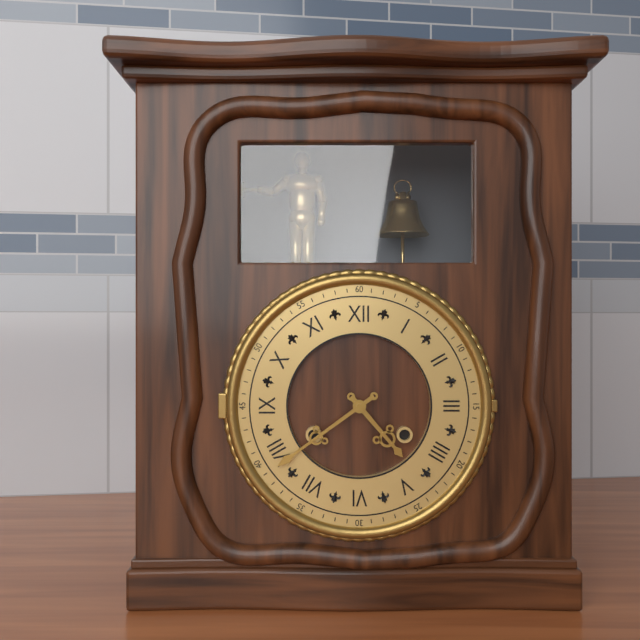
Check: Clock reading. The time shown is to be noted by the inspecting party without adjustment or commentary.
4:39
